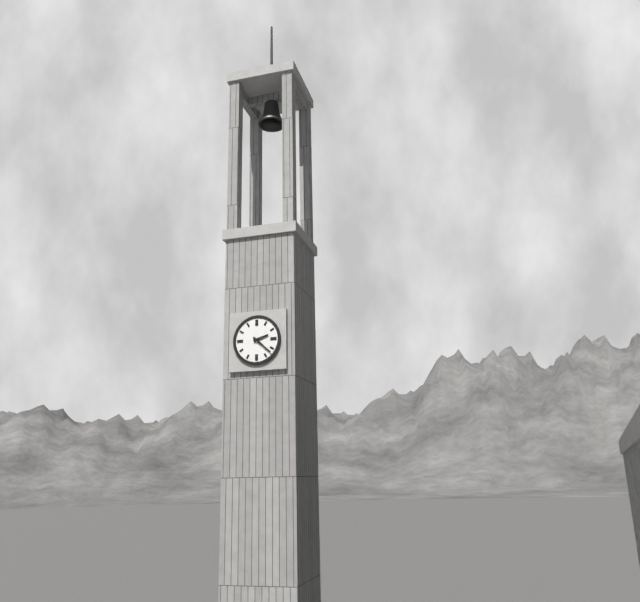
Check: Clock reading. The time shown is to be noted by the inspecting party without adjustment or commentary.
2:22
